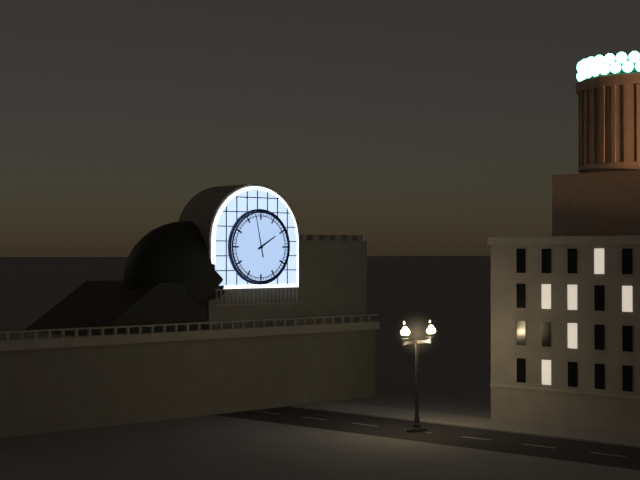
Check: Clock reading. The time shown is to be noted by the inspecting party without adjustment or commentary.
1:58
